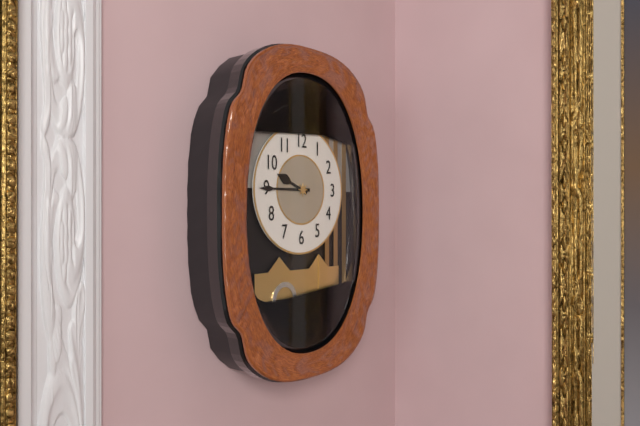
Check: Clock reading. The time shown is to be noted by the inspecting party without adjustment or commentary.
9:45
